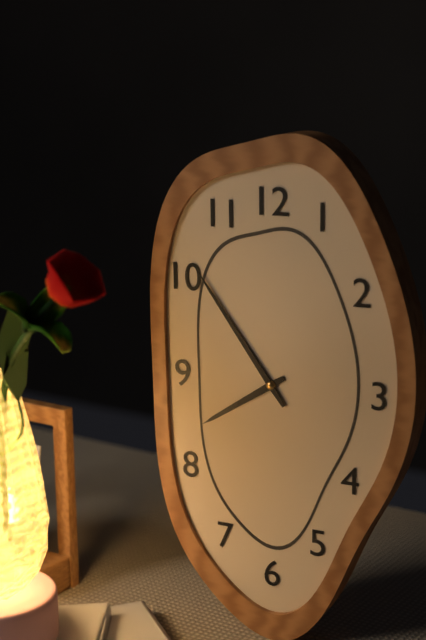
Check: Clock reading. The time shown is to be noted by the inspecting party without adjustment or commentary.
7:54
